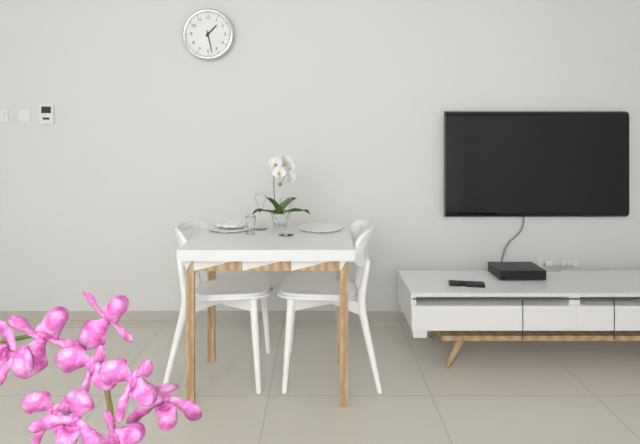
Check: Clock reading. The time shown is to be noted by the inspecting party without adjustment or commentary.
1:28
